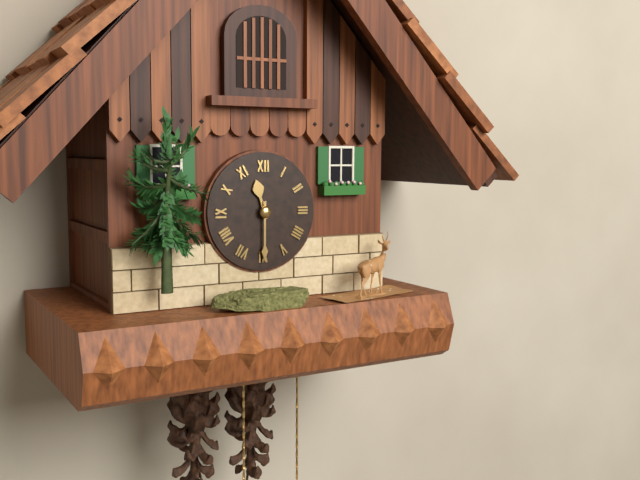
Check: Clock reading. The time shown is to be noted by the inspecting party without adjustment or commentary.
11:30
